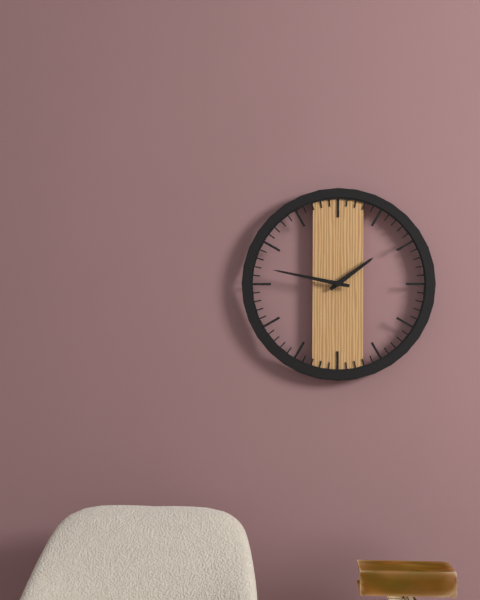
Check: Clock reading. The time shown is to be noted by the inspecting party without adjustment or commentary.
1:47
